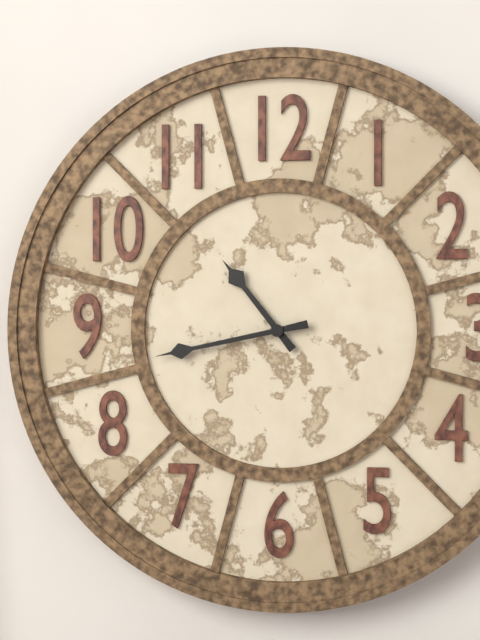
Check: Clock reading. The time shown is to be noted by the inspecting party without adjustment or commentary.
10:43
